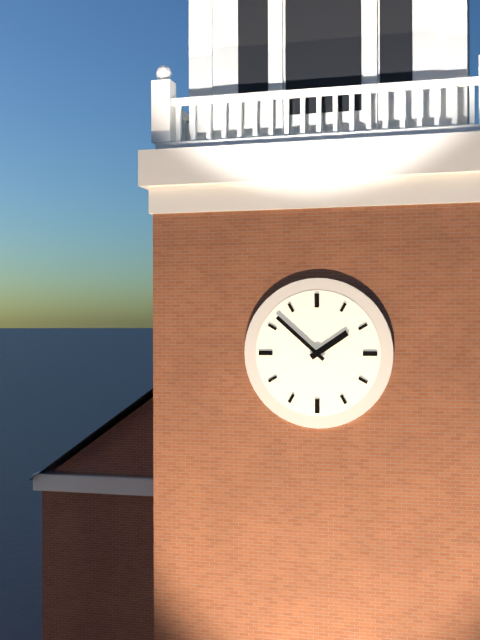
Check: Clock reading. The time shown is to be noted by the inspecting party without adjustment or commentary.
1:52
